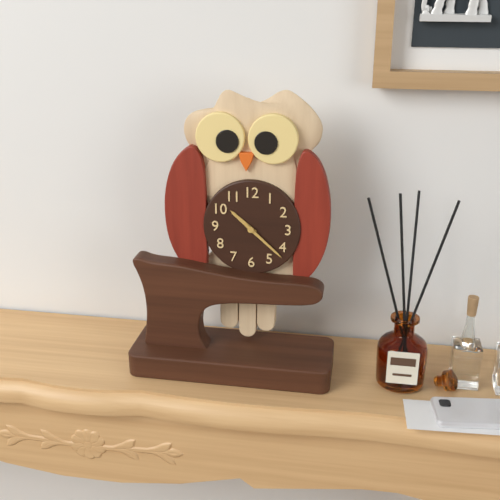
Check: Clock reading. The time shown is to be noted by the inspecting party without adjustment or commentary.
10:22
